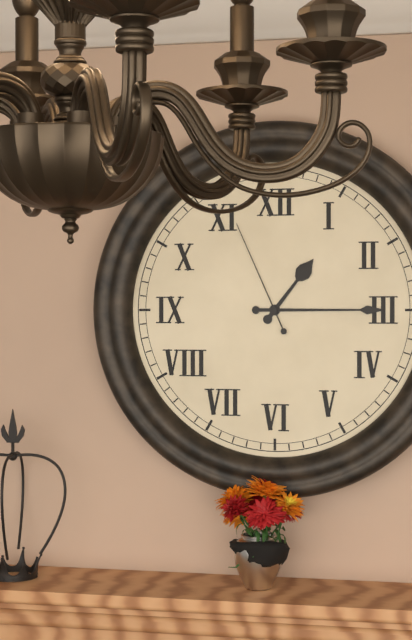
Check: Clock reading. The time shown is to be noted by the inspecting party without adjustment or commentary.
1:15:56
